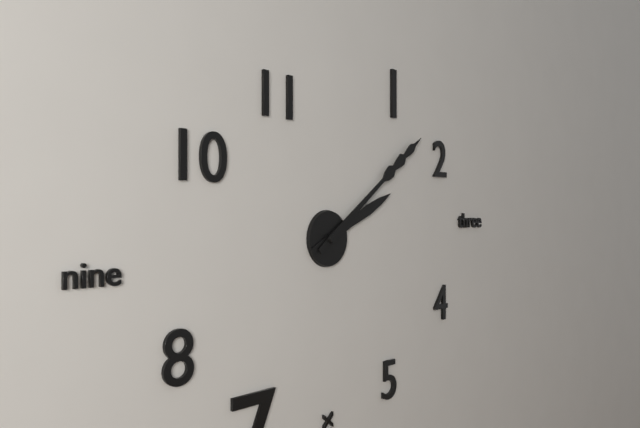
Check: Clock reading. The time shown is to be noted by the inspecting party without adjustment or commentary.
2:09
